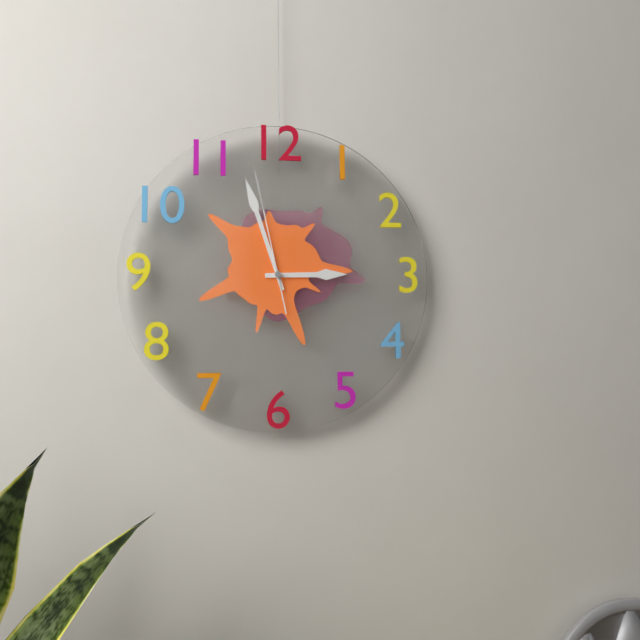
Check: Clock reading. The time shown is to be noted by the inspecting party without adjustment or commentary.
2:57:58
